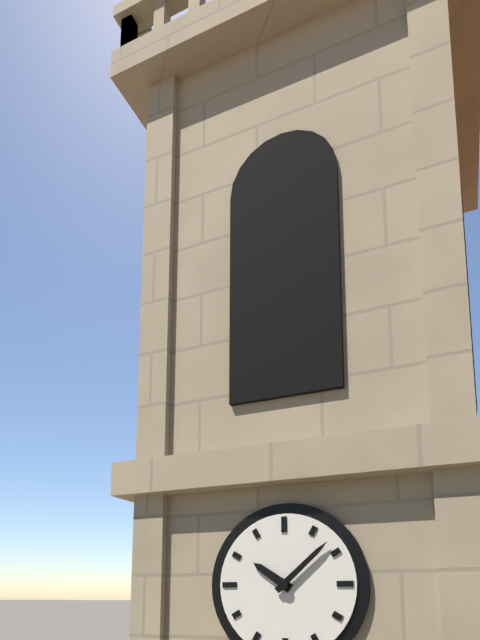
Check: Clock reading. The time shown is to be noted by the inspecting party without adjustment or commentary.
10:08
